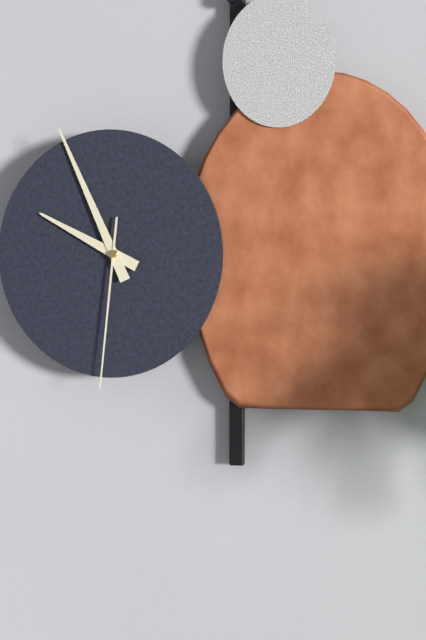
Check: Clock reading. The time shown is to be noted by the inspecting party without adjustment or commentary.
9:56:31
